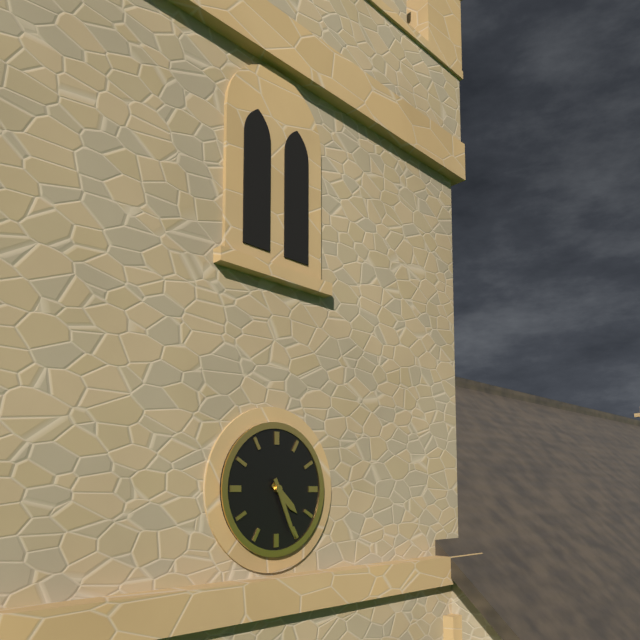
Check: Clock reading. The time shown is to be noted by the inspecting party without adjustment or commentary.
4:26
